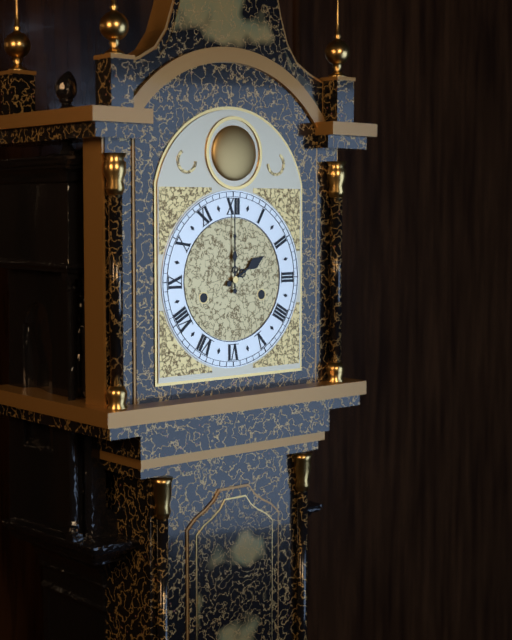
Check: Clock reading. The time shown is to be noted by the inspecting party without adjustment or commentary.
2:00
